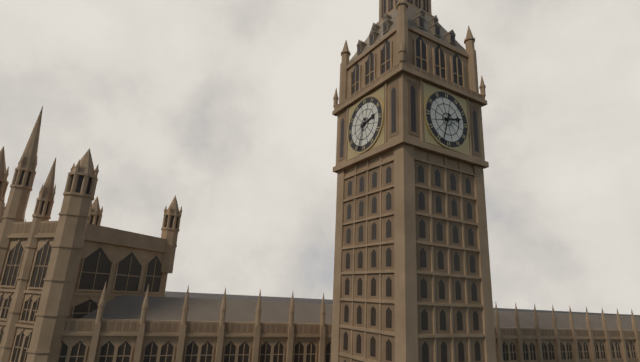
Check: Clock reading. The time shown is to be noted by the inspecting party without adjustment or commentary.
2:33
